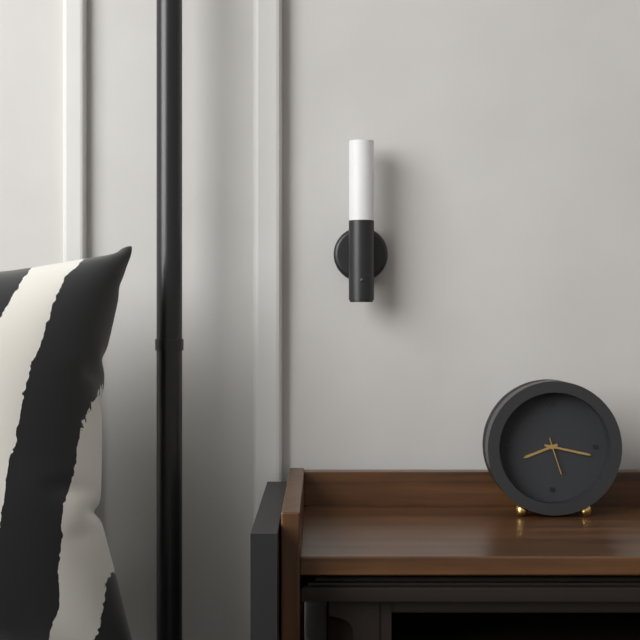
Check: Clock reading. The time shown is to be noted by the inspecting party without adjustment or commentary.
8:17
